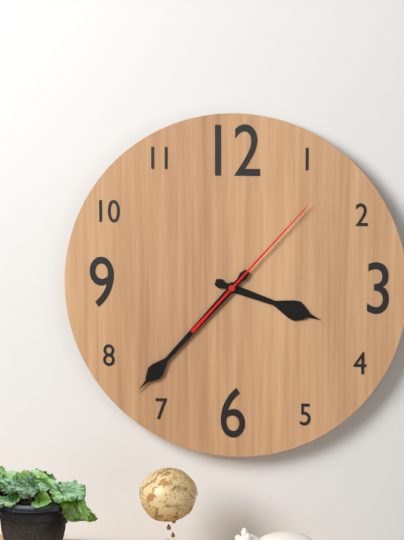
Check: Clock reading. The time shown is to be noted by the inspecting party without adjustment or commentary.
3:37:07
